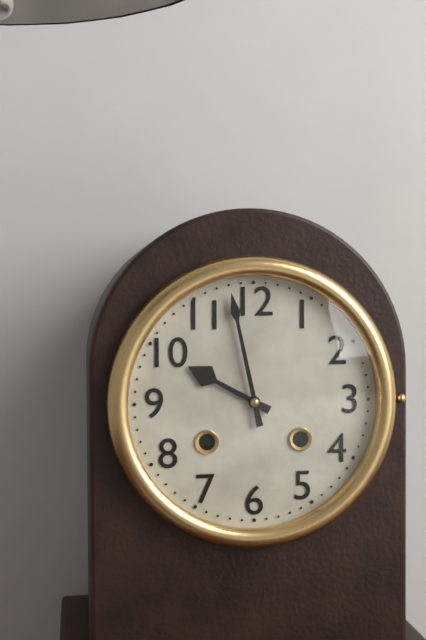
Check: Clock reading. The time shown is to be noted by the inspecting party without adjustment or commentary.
9:58
